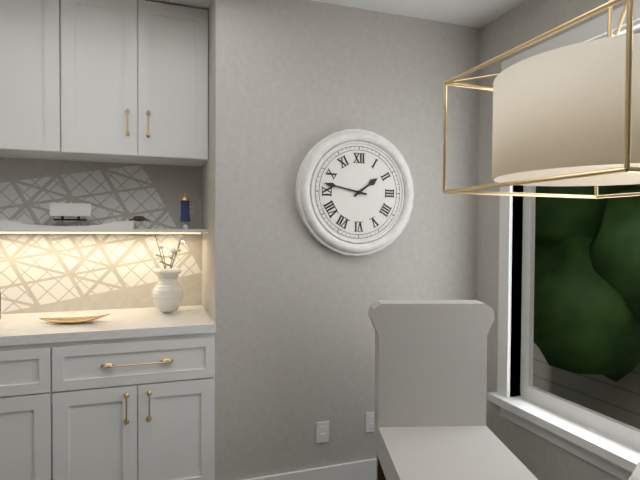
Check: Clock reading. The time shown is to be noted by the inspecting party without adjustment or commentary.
1:47
